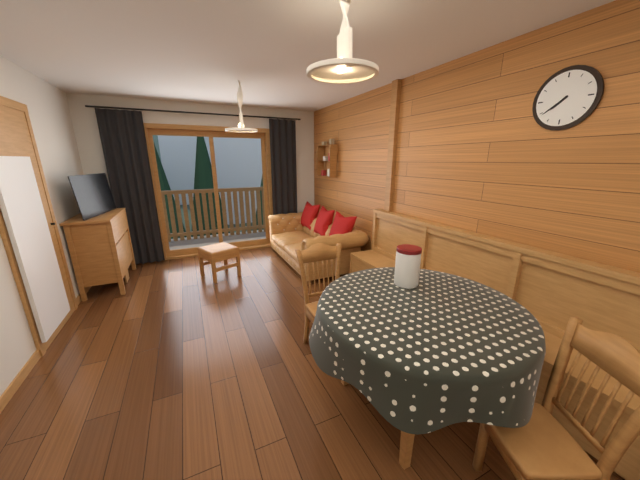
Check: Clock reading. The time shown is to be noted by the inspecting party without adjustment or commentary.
7:39
